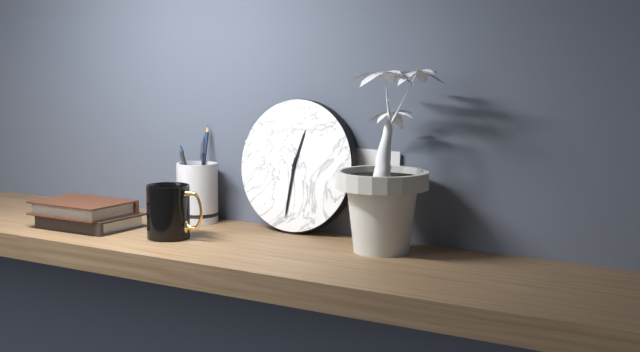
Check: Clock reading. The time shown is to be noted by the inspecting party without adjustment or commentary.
12:31
